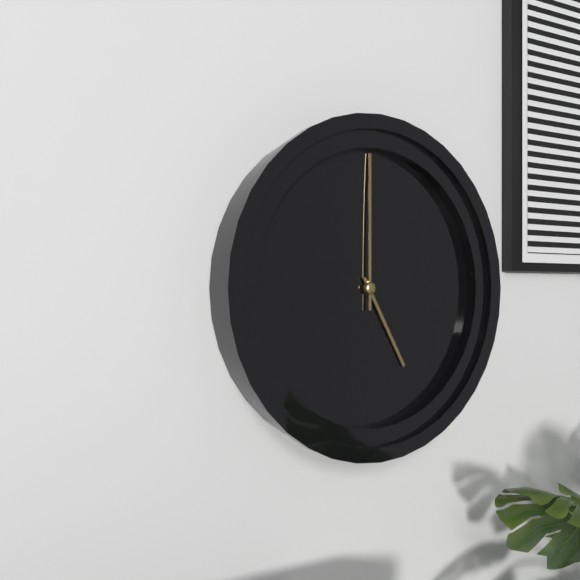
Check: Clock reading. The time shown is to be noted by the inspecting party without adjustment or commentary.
5:00
